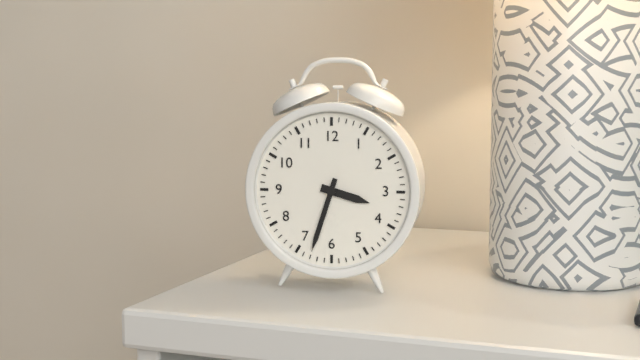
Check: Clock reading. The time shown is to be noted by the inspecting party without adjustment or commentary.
3:33
